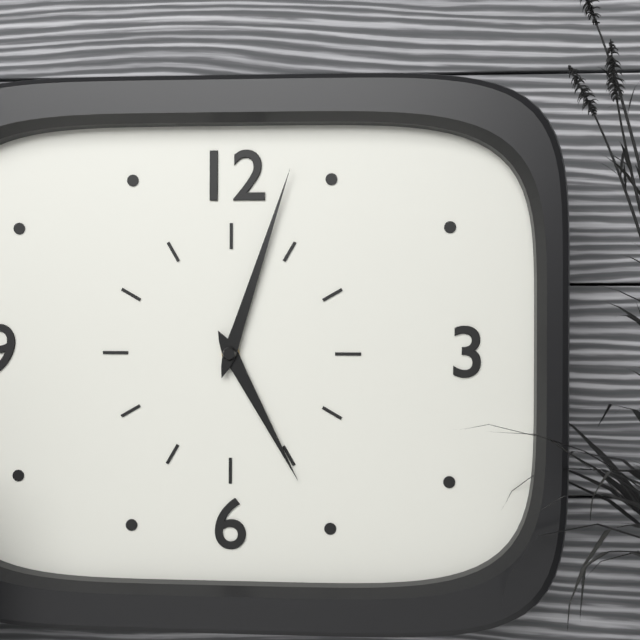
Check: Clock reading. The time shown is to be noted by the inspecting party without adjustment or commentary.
5:03
